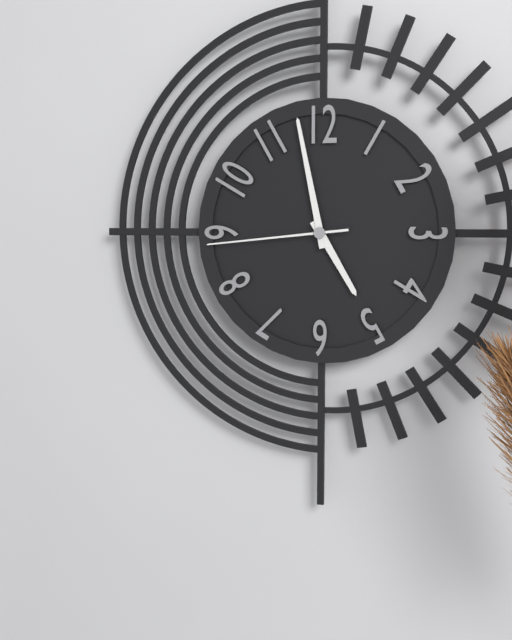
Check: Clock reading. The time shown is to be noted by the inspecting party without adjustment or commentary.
4:58:44
